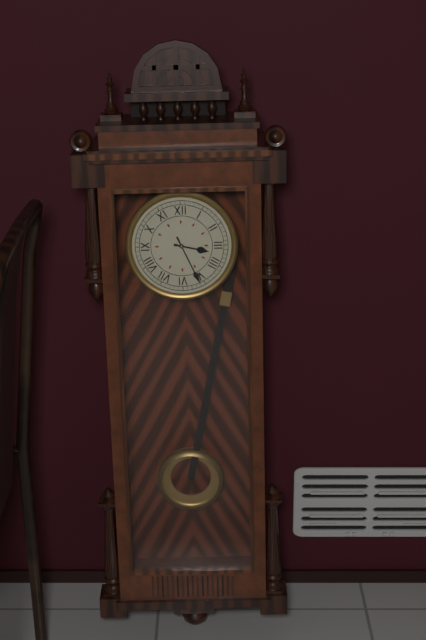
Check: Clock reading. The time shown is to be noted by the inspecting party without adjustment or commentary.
3:26
